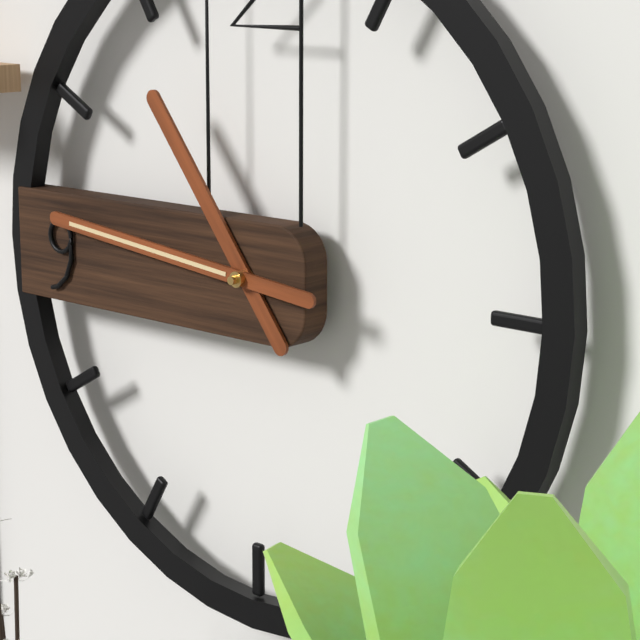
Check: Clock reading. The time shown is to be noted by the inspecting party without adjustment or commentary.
10:46
